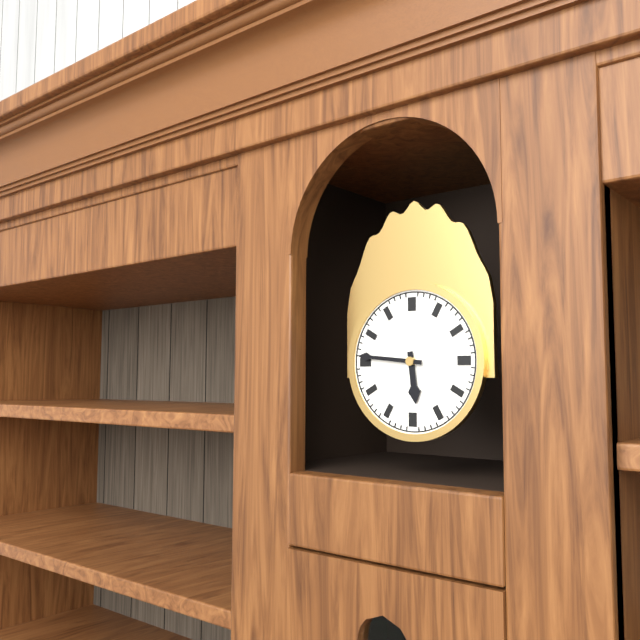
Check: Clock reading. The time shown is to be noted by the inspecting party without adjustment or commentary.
5:46
